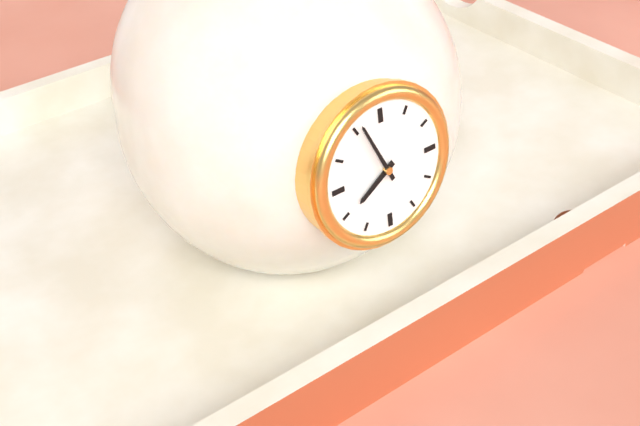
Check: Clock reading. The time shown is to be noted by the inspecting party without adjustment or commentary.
7:56
